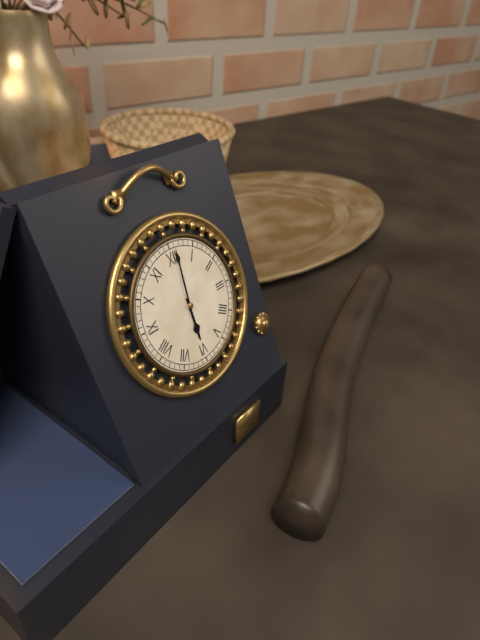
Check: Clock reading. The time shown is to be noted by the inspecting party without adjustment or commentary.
6:01
